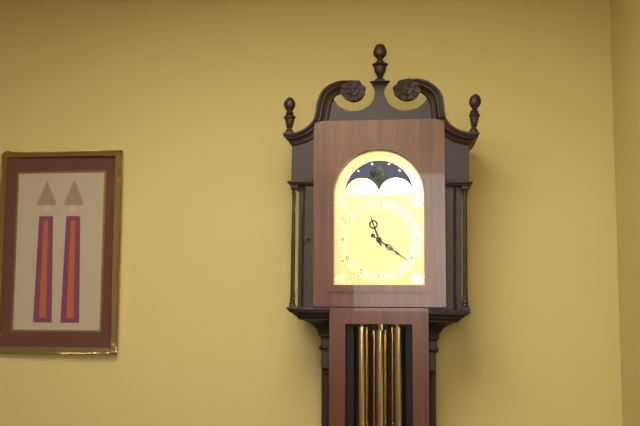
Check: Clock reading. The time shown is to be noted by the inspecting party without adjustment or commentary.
11:21
